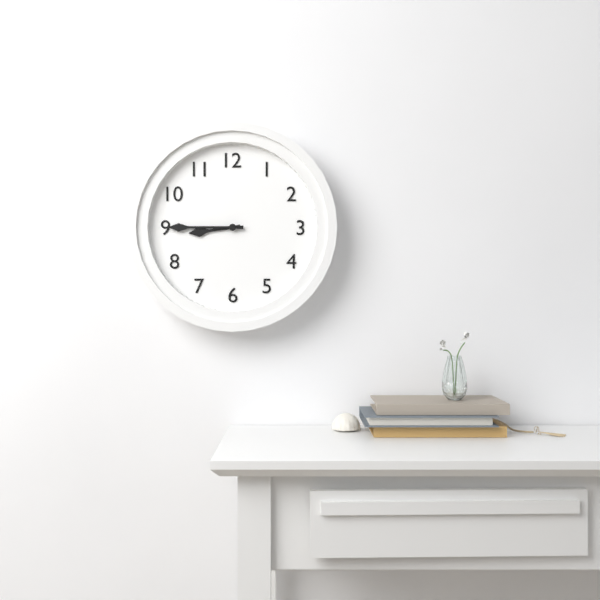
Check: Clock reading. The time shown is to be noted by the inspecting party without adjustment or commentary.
8:45
